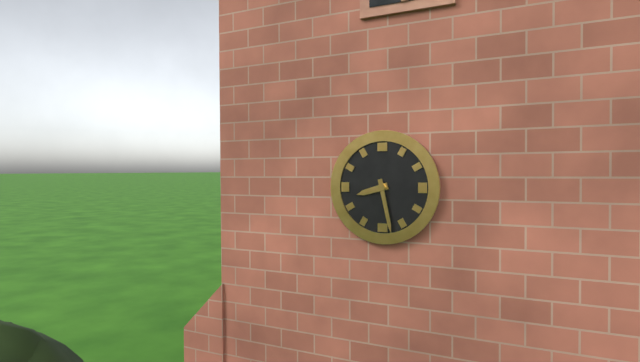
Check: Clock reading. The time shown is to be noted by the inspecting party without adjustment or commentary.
8:28
